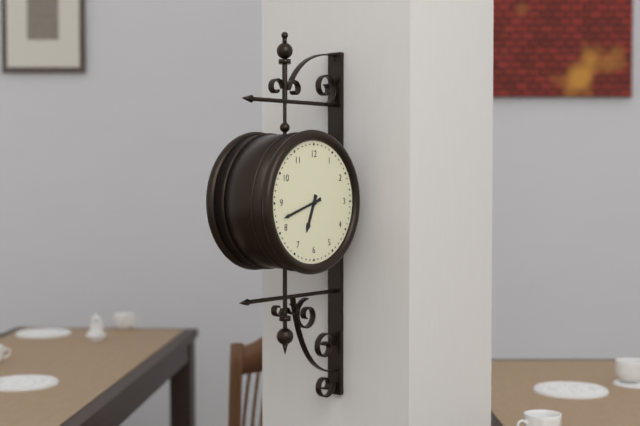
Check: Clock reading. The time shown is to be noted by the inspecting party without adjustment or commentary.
6:42
